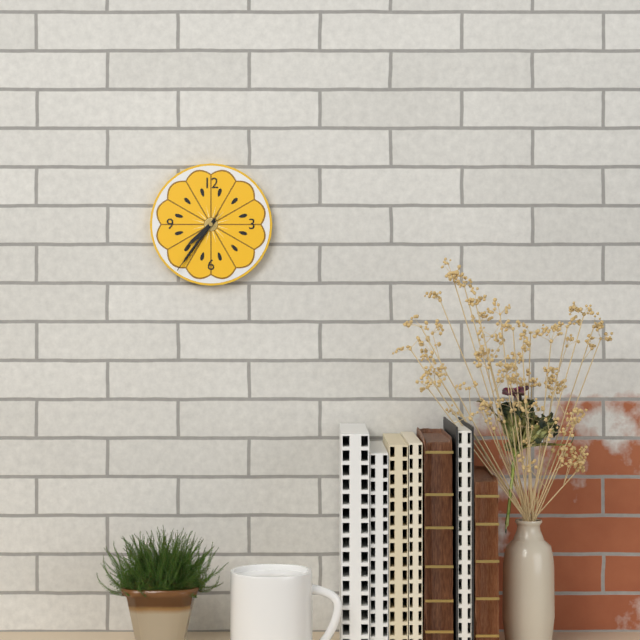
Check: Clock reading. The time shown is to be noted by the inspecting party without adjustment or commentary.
7:36:36
